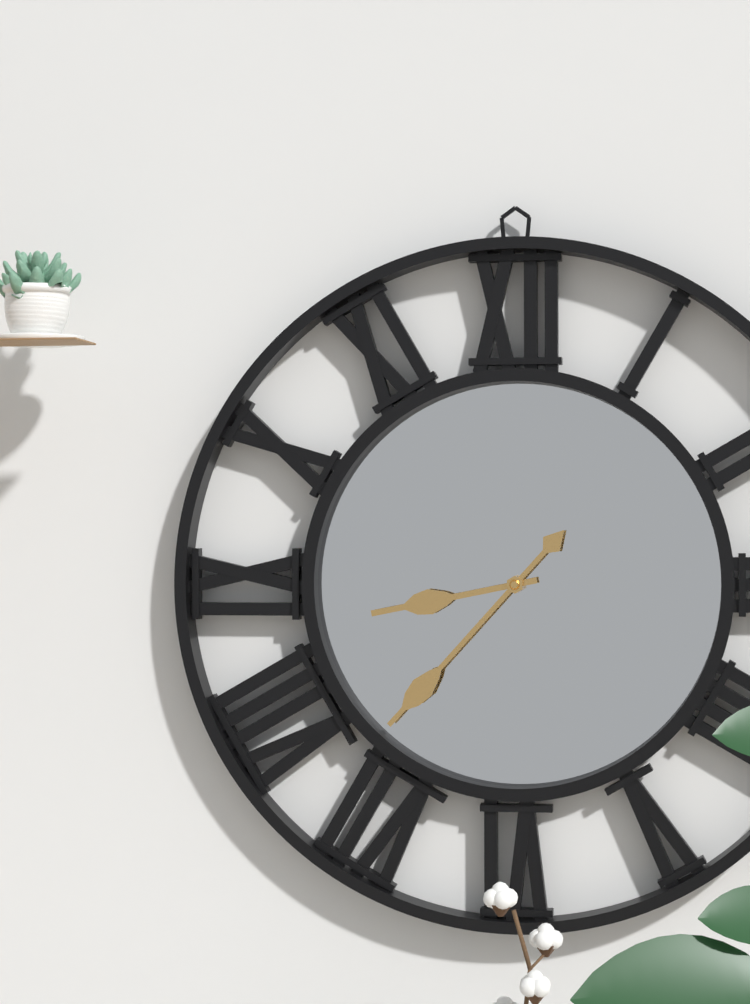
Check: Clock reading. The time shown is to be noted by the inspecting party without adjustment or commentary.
8:37
